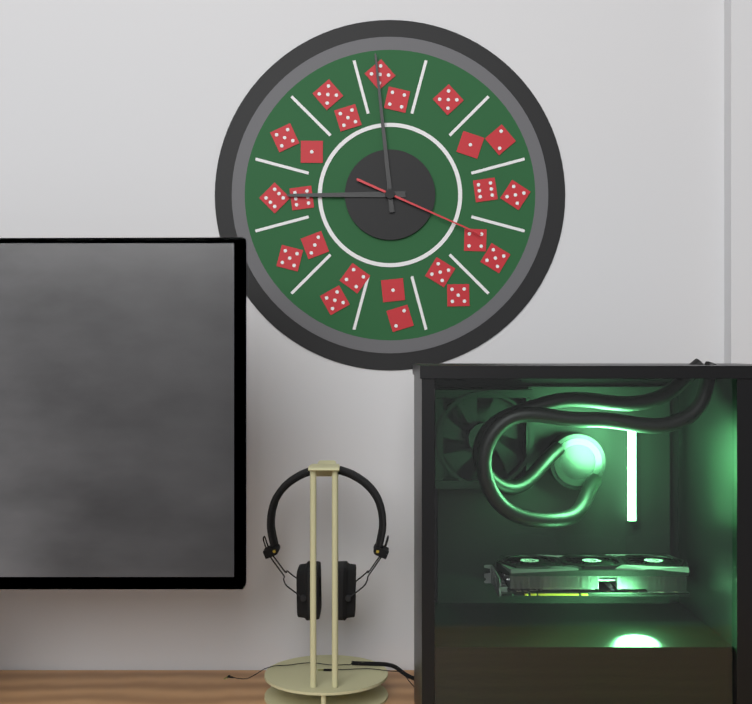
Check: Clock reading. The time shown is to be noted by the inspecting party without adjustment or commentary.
8:59:19
